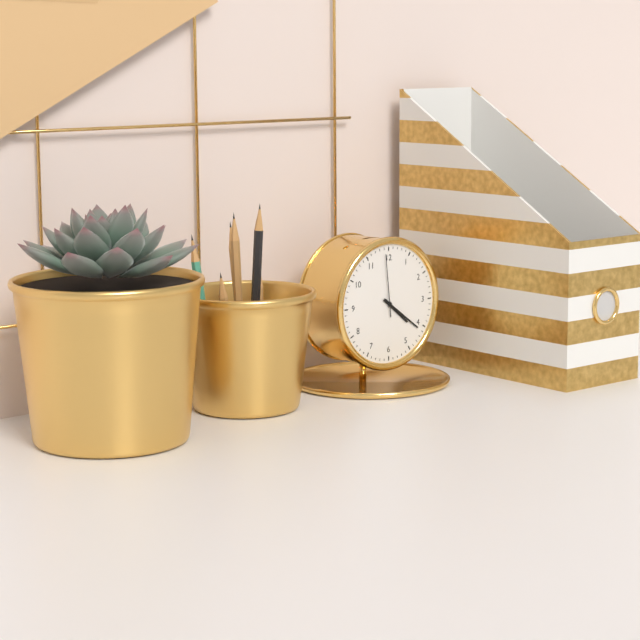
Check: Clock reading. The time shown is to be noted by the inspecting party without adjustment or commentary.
4:21:59
